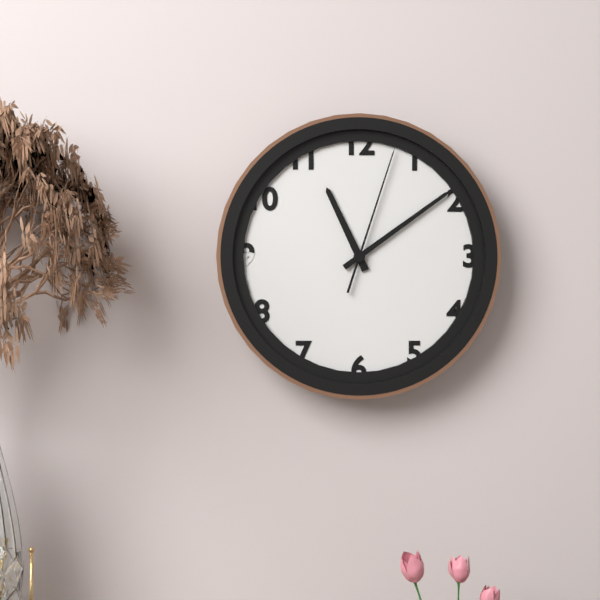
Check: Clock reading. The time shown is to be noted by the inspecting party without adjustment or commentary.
11:09:03
